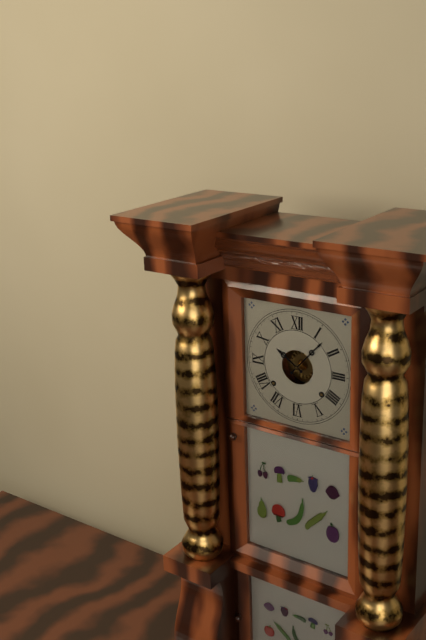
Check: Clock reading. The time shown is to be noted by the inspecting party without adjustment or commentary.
10:07
